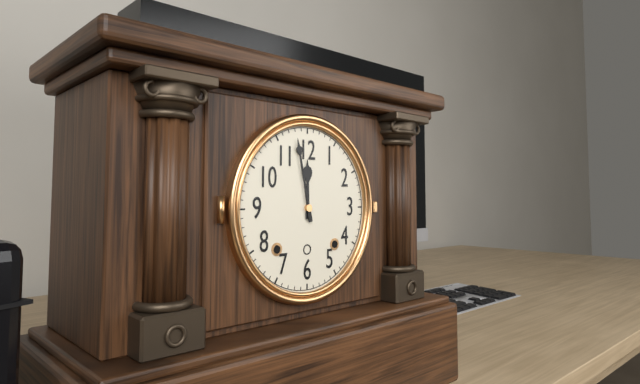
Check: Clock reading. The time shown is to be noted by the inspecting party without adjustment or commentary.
11:58
